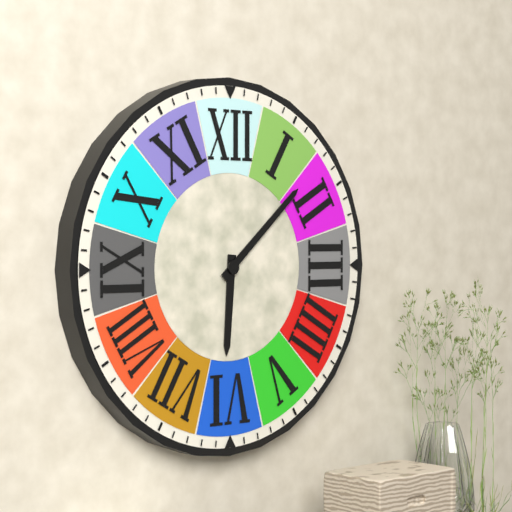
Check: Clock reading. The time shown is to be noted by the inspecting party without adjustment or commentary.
6:08
